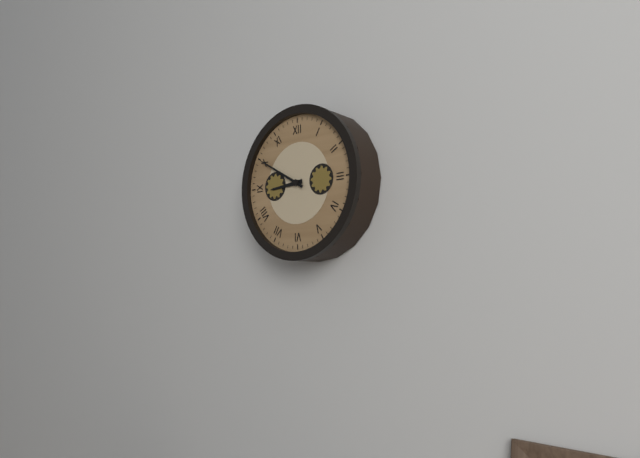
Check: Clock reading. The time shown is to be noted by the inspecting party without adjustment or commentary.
8:50
